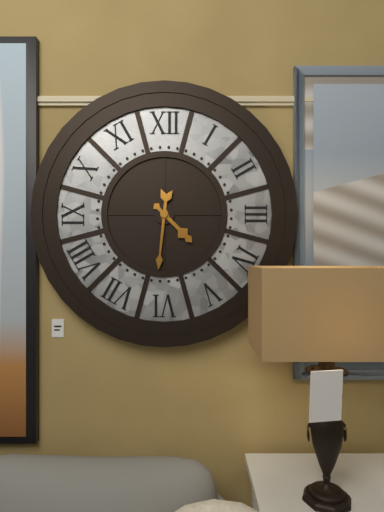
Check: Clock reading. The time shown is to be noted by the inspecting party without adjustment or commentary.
4:31
